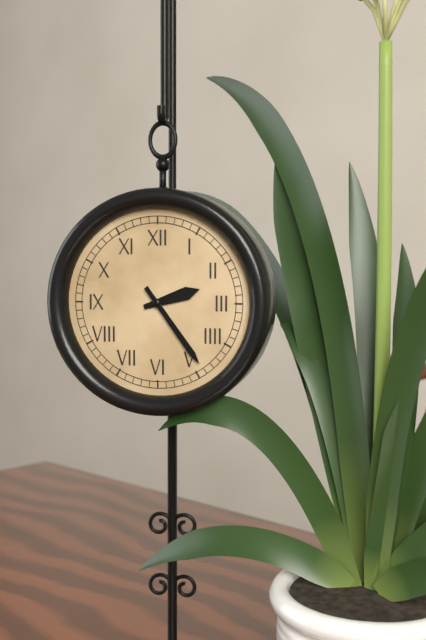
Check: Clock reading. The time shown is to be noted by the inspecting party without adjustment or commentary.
2:24
